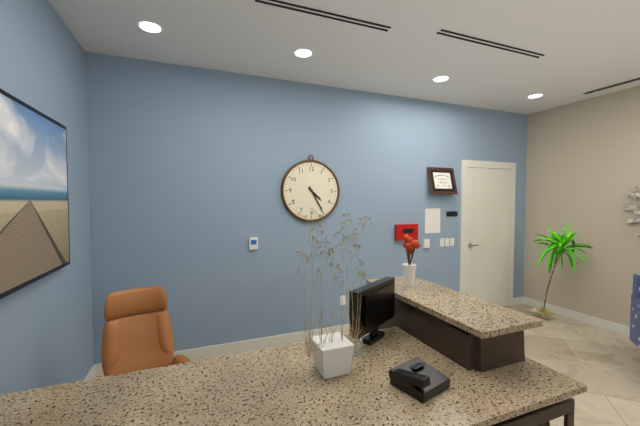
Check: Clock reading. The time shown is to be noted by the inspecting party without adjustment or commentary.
4:25
